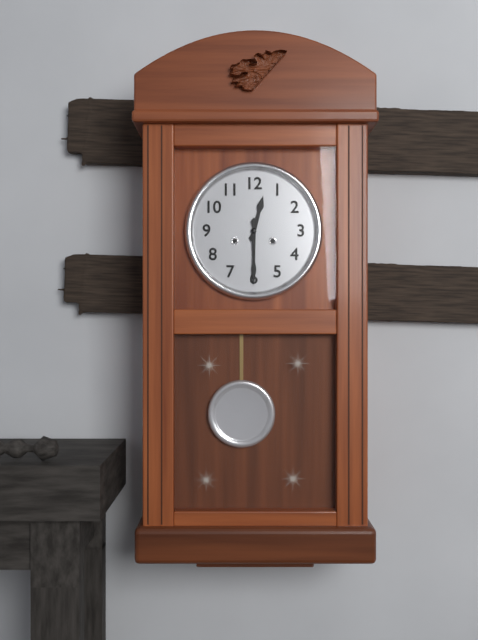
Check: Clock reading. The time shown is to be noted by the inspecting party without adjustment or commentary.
12:30
